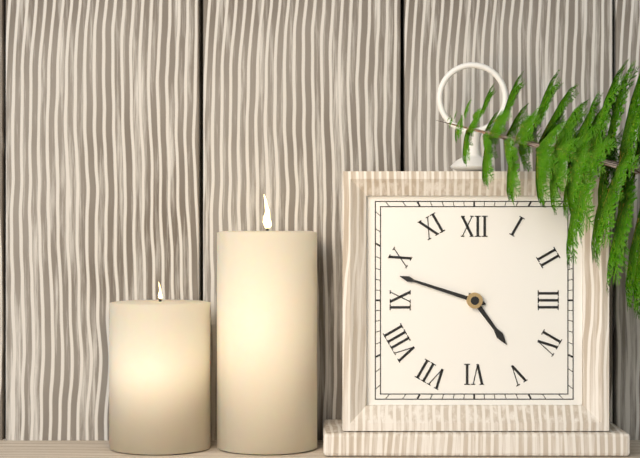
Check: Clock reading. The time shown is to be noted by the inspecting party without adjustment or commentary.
4:48
